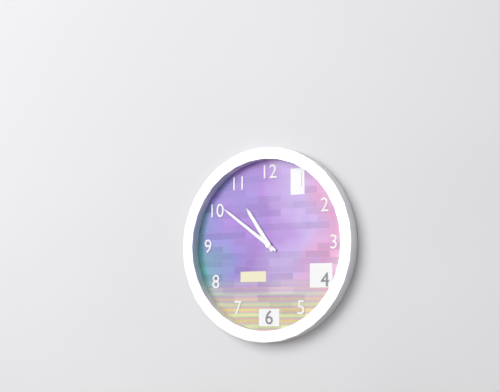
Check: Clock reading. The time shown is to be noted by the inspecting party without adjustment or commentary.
10:51
